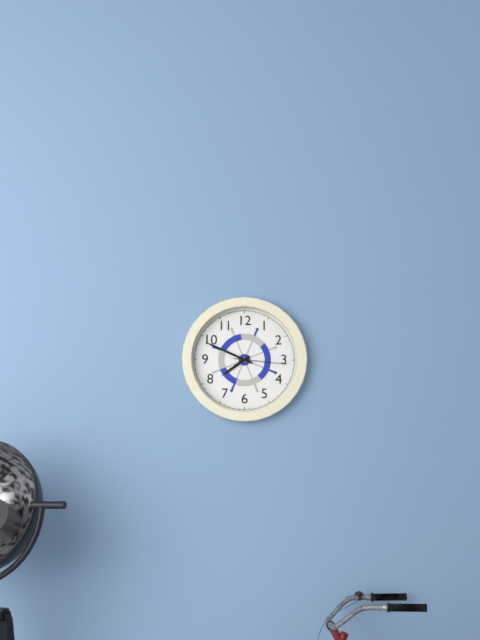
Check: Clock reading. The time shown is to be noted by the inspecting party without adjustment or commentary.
7:49:16
